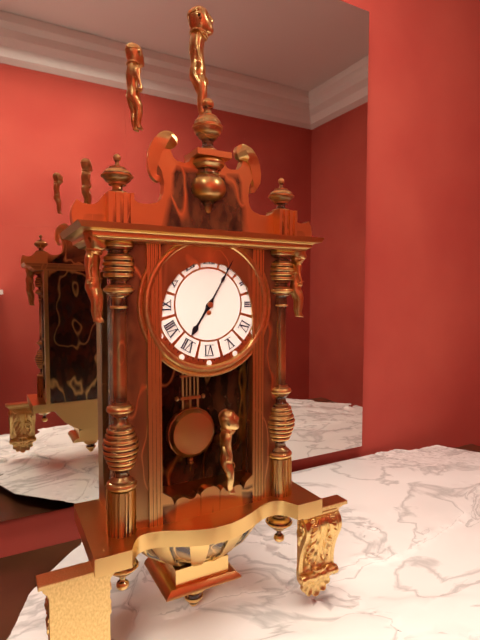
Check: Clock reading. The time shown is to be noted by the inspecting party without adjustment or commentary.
7:05
